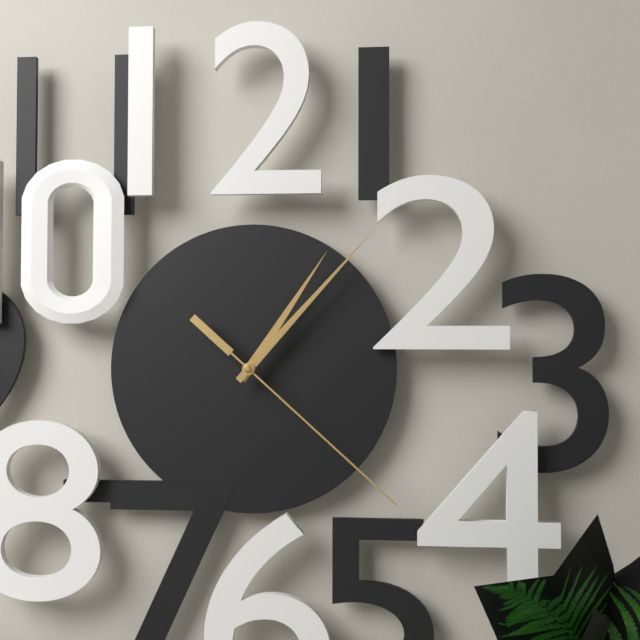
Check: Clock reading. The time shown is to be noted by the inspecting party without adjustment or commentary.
1:07:22
